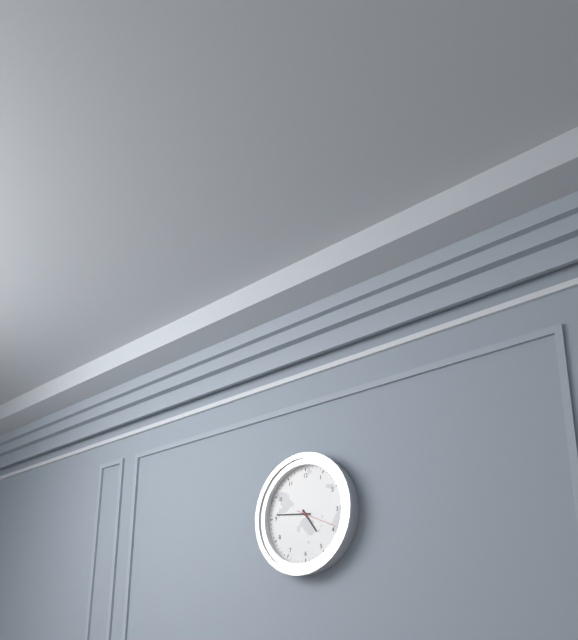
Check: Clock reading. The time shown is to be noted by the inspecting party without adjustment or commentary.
4:46
